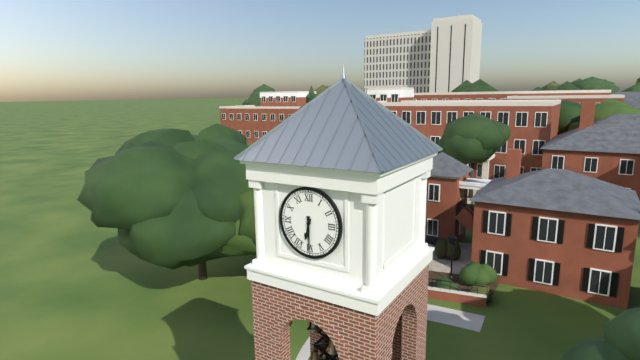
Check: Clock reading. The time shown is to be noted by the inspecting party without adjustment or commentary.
6:30
